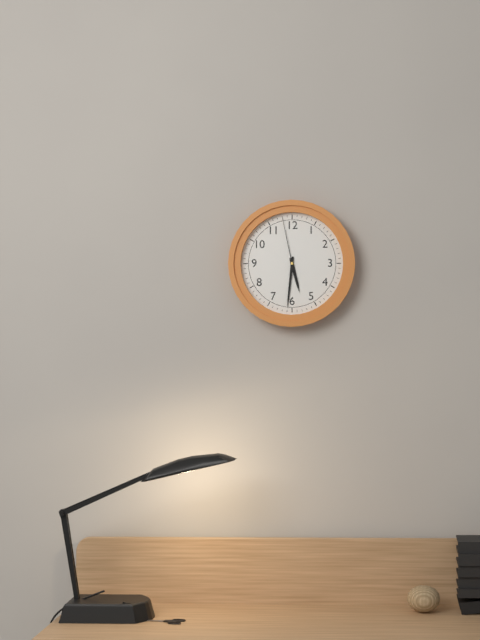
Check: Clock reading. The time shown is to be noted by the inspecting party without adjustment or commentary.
5:31:58
